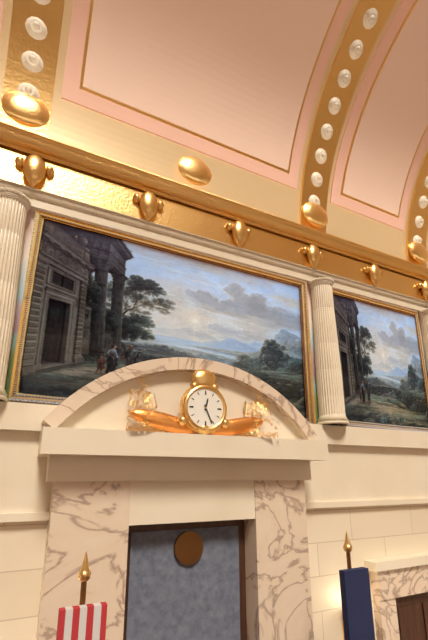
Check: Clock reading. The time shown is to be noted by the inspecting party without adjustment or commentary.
12:26
